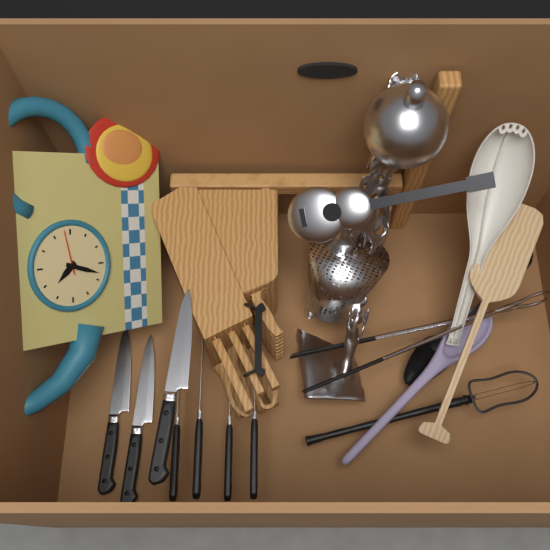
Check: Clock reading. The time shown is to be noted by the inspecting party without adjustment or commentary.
10:33
